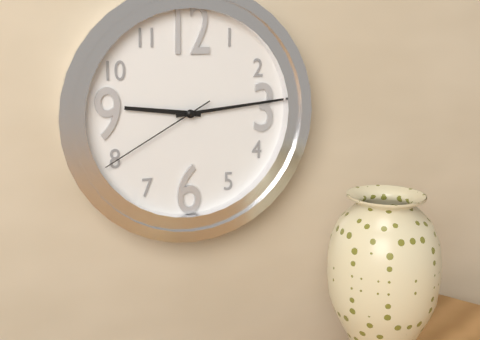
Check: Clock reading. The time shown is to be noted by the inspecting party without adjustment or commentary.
9:14:40
